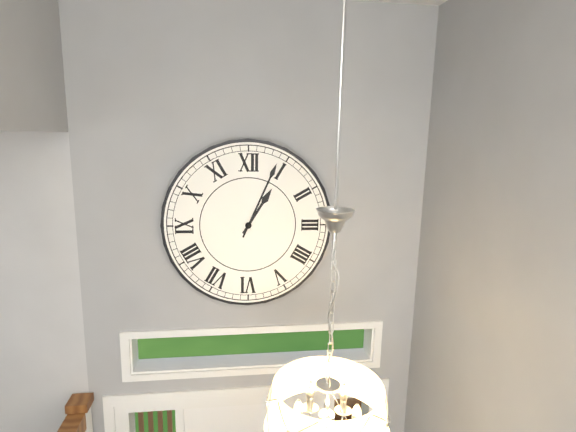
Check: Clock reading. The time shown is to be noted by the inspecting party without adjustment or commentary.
1:04
